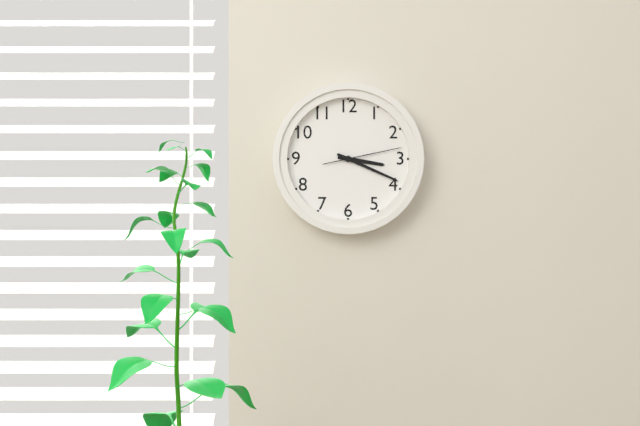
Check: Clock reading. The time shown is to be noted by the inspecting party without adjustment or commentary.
3:19:13
